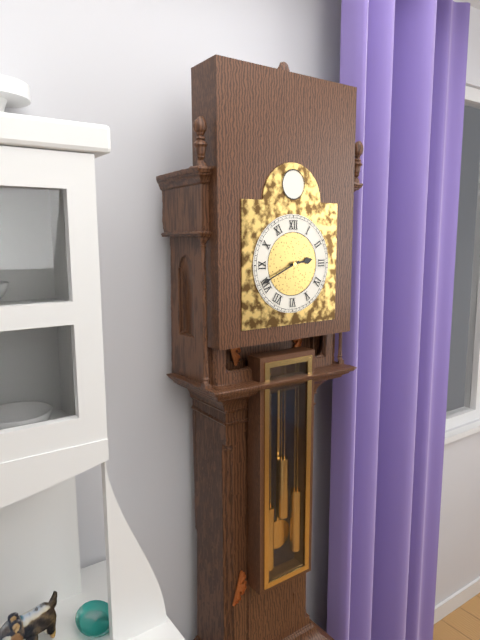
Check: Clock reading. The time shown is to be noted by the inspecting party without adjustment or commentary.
2:41
